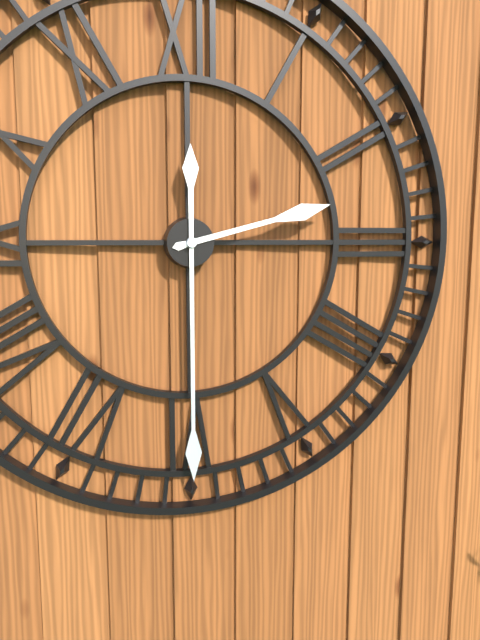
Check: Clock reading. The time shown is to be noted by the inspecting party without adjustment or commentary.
2:30
